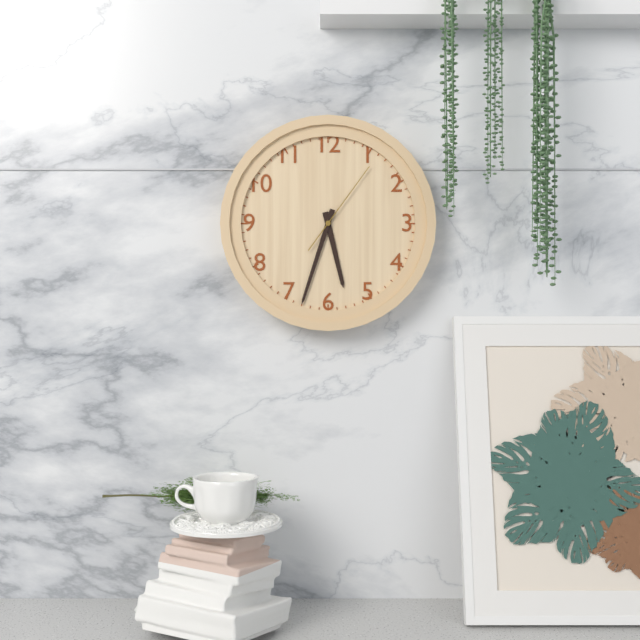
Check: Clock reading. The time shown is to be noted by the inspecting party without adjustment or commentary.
5:33:06
